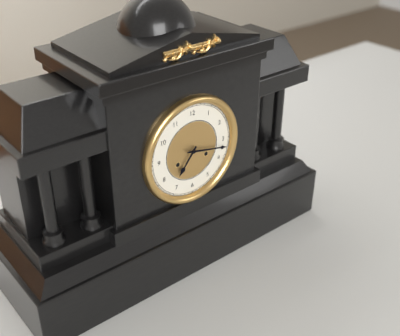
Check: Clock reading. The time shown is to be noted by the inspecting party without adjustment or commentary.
7:17
